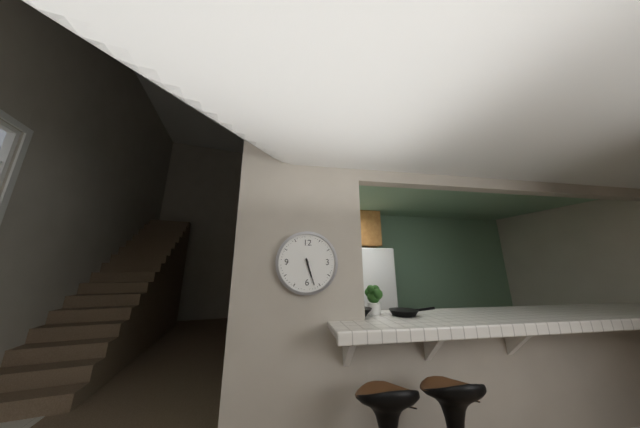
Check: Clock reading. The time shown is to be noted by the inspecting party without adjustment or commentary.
5:27
